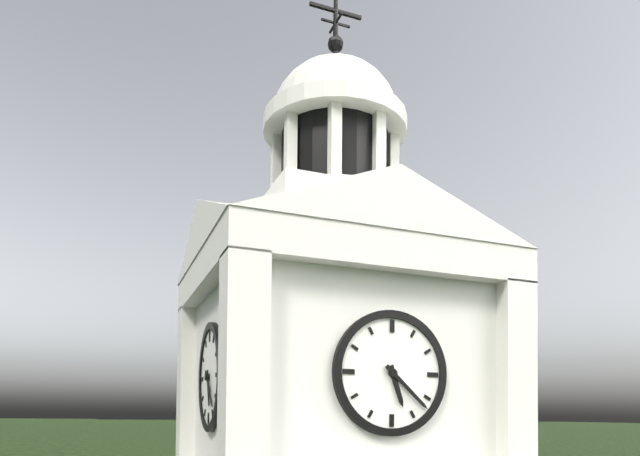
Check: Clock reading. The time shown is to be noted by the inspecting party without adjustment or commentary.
5:22
